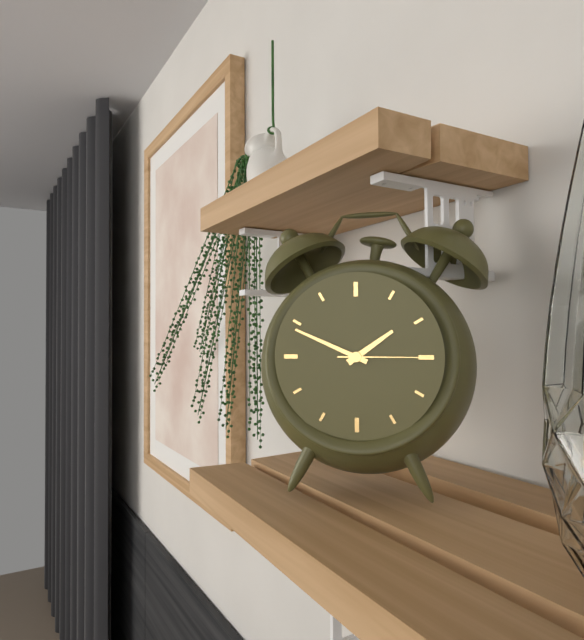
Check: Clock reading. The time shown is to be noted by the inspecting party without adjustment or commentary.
1:49:15
